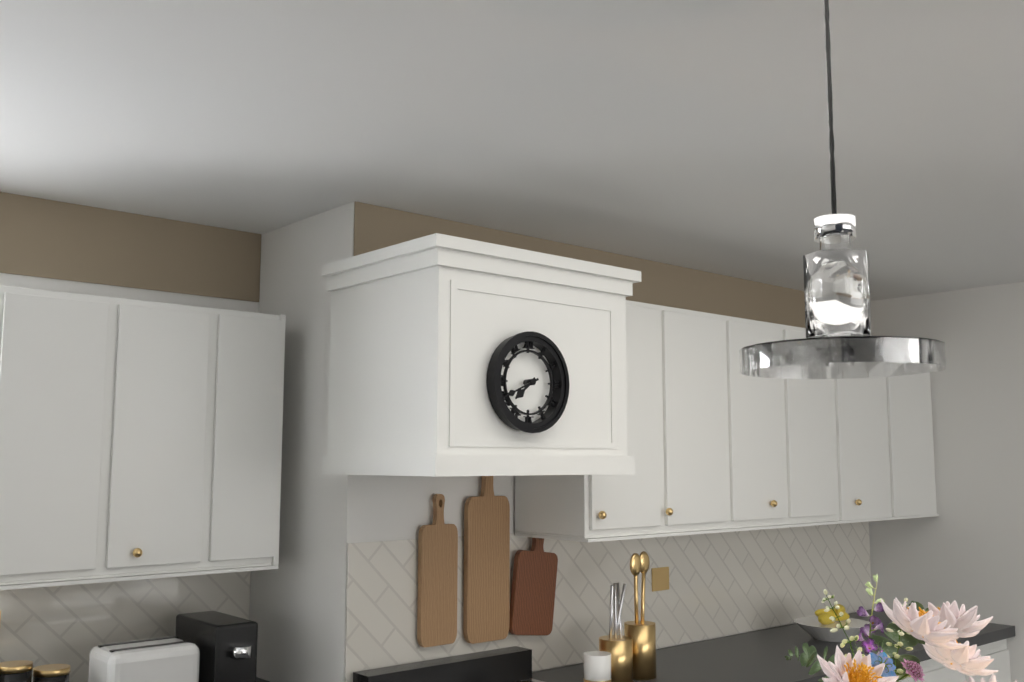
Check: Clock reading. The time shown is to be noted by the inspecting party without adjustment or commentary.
7:41
